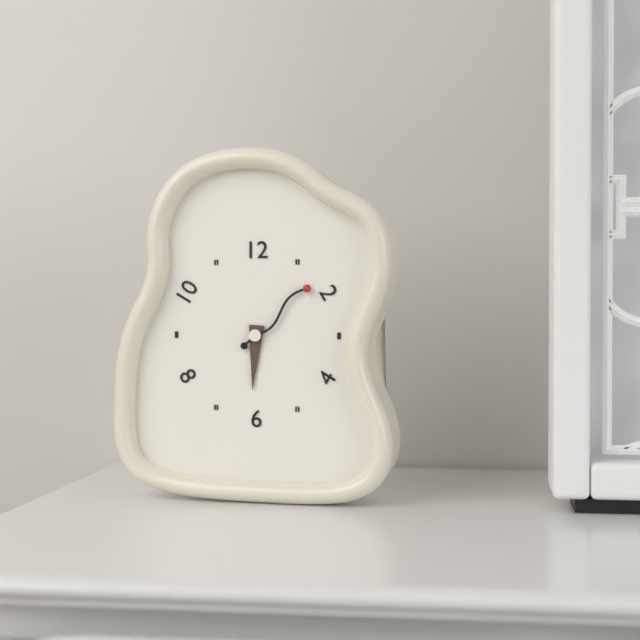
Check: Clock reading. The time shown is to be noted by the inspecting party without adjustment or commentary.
6:08
